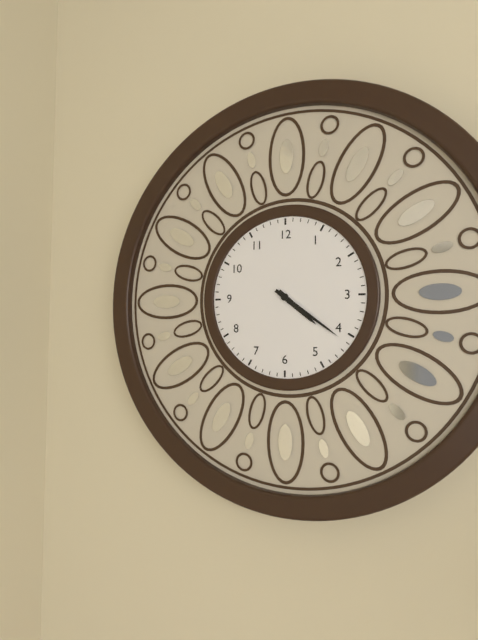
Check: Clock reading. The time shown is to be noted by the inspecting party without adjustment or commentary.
4:21
